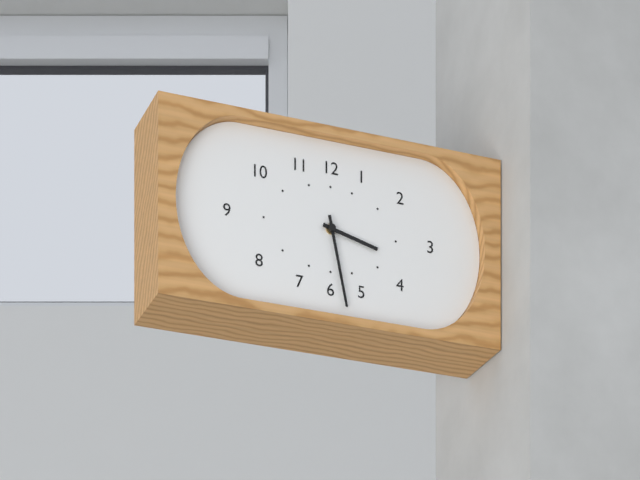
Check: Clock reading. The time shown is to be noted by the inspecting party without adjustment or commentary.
3:28
